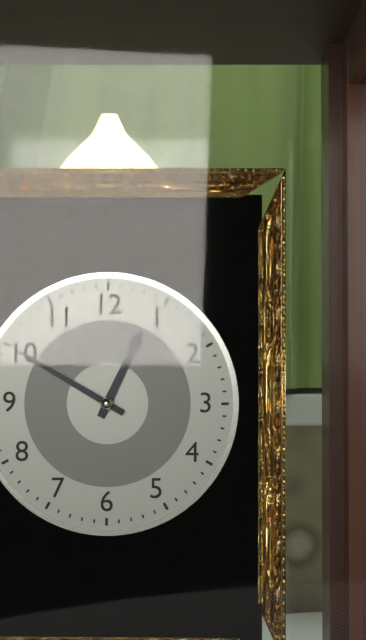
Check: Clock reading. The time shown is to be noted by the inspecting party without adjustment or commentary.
12:50
